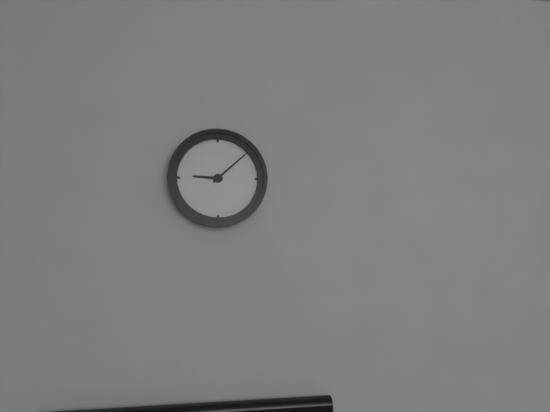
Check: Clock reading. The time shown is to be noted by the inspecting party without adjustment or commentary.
9:08
